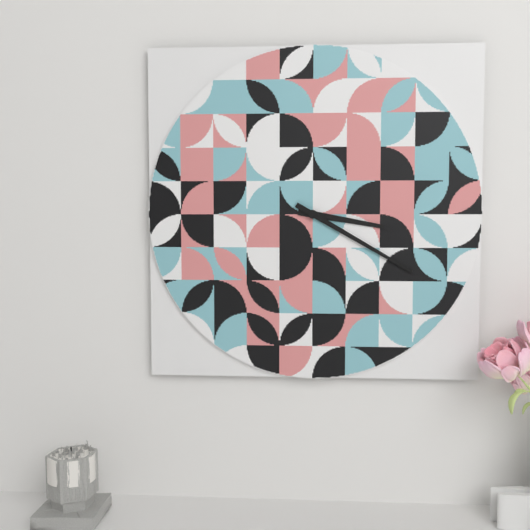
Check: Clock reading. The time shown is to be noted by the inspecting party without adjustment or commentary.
3:20
